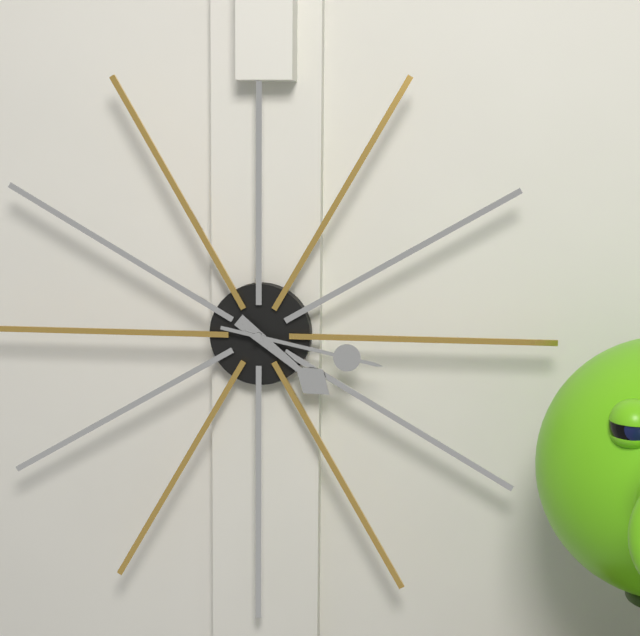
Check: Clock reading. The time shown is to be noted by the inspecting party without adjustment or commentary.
4:17
